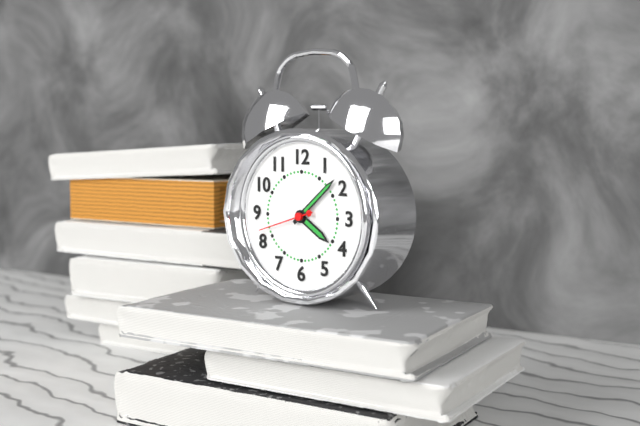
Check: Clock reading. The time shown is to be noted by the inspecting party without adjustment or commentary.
4:08:42
